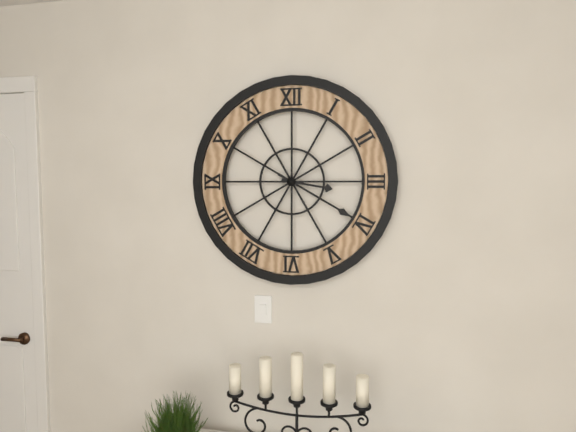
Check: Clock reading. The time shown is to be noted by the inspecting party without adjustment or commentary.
3:20
